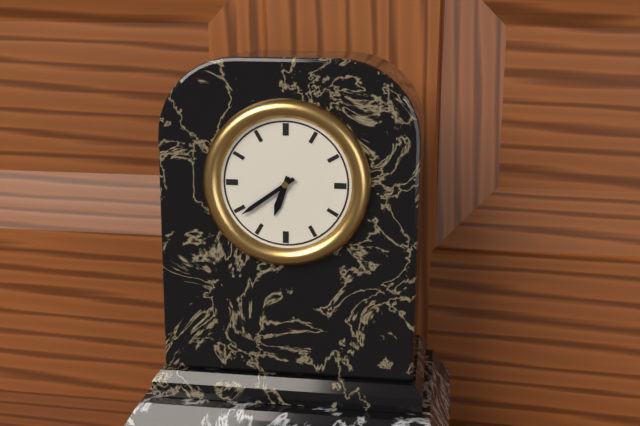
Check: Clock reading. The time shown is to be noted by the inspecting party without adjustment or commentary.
6:39
